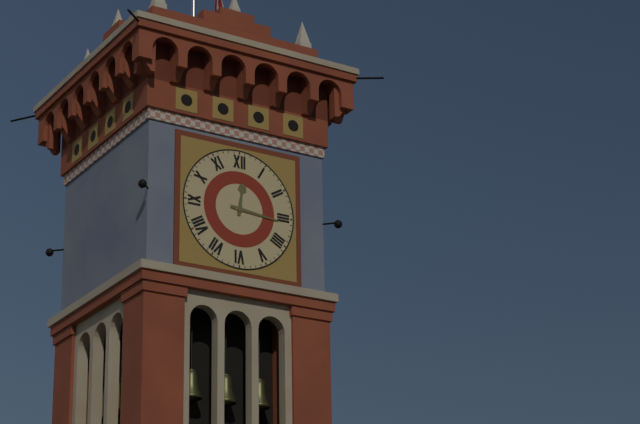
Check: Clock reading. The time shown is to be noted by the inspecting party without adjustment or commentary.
12:16
